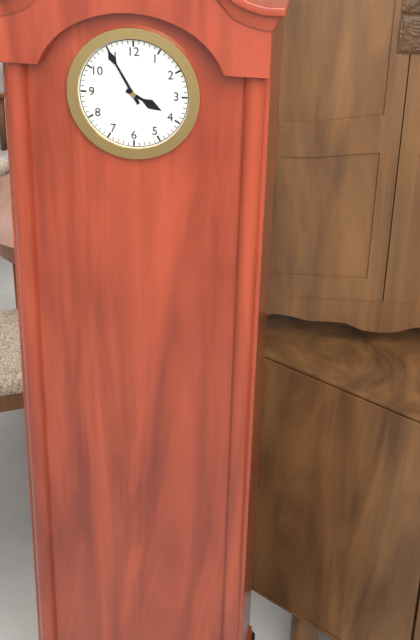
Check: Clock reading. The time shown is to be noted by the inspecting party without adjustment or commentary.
3:55
